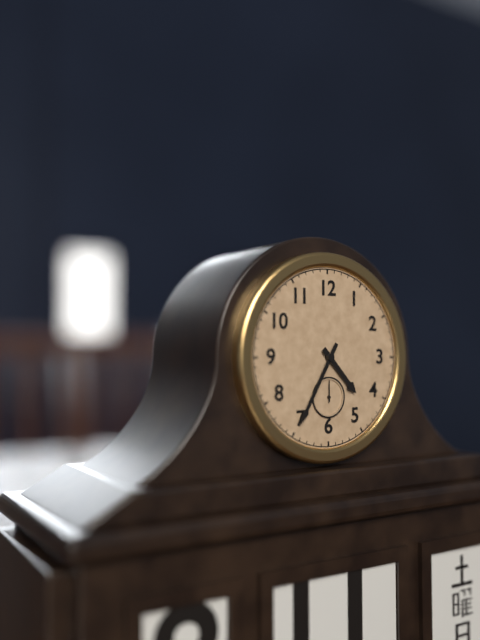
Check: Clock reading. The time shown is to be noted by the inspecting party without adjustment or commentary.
4:35
